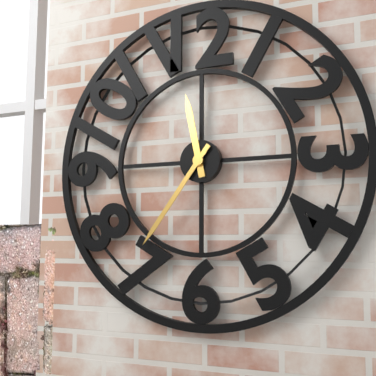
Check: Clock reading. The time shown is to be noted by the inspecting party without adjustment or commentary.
11:36
